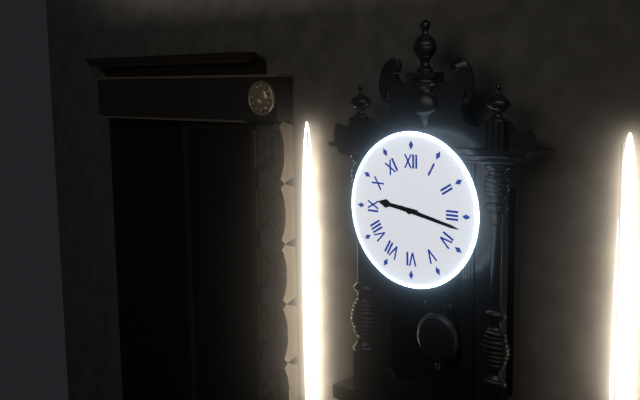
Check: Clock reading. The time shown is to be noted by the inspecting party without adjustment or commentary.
9:17
